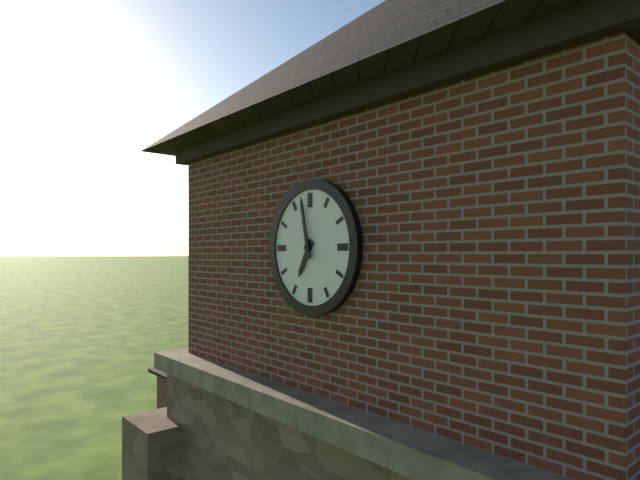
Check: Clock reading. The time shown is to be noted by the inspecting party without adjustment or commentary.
6:58
